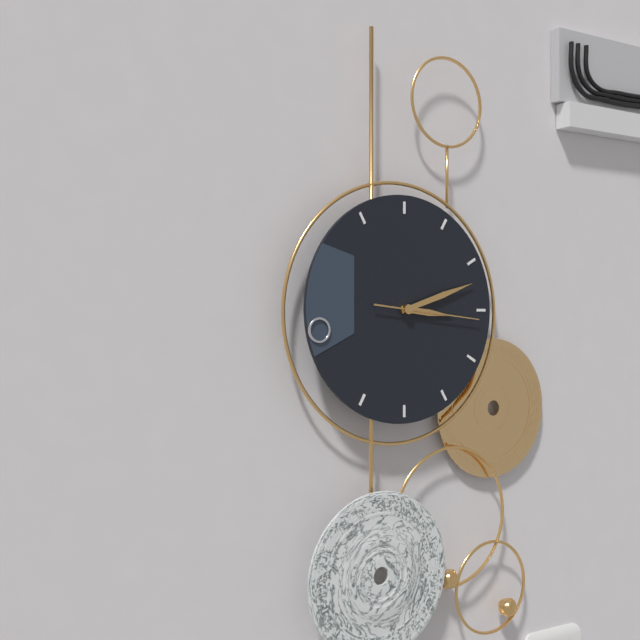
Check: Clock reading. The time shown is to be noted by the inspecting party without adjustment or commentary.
3:12:16
